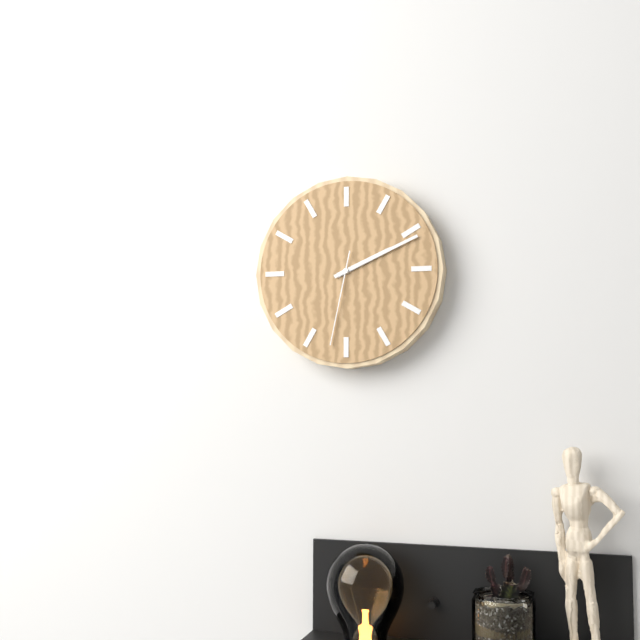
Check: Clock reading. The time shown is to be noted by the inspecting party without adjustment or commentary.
2:11:32
